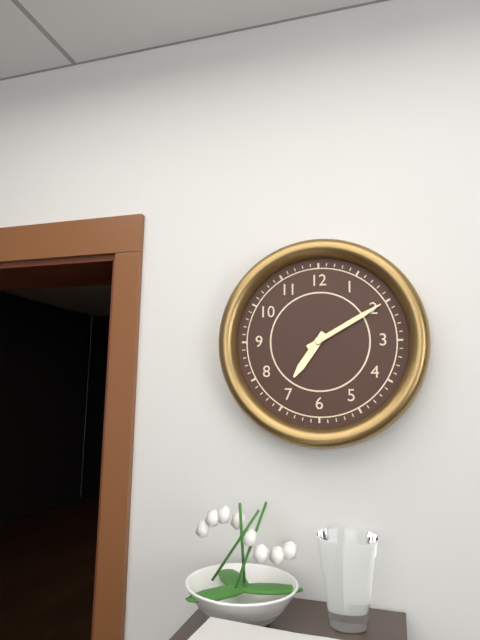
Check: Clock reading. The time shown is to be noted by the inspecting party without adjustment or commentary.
7:10
